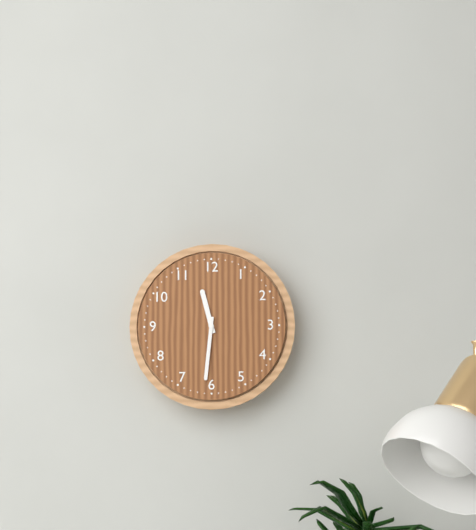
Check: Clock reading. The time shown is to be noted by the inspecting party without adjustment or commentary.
11:31
